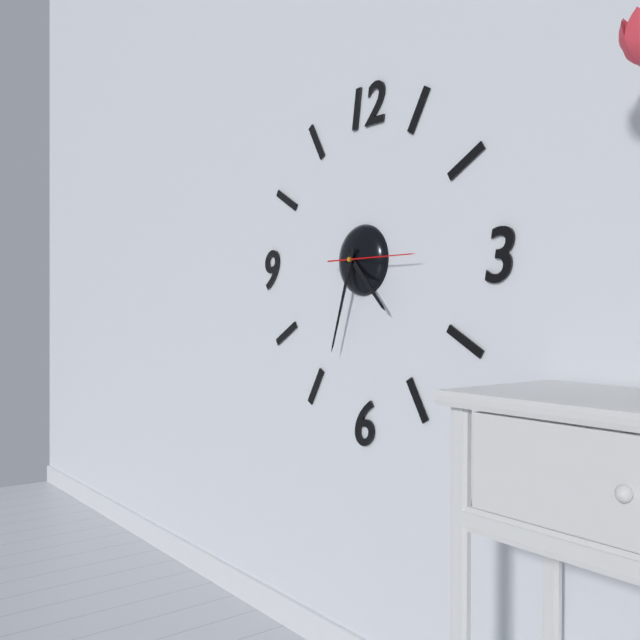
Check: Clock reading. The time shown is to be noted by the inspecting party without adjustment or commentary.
4:33:15
